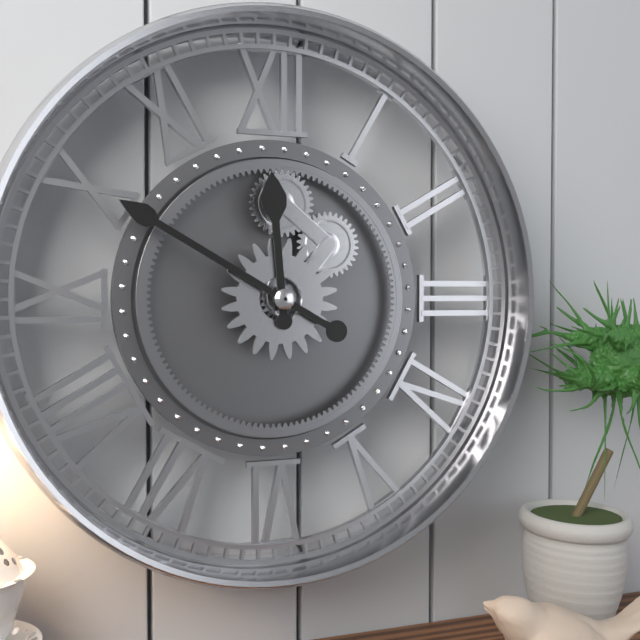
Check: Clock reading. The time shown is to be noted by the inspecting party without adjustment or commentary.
11:50
